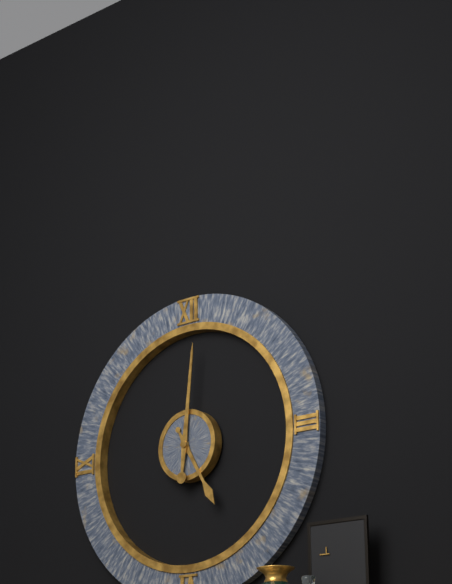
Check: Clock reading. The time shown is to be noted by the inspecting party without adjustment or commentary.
5:01
